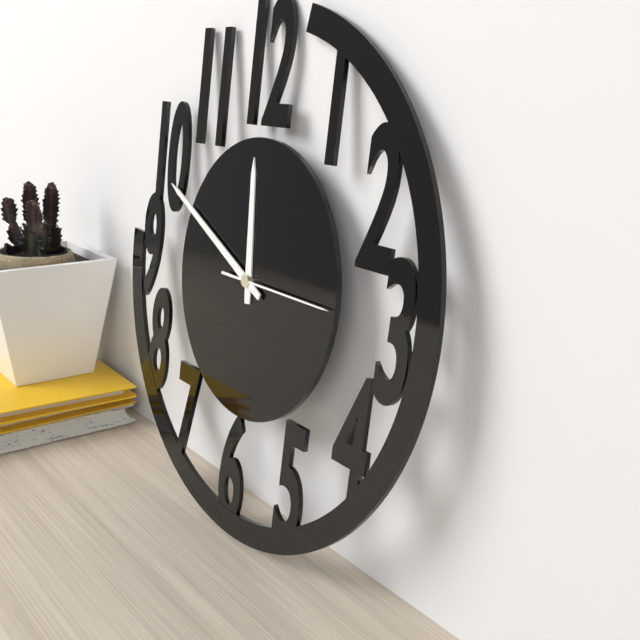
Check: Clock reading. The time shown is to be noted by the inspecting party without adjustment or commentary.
11:49:15
